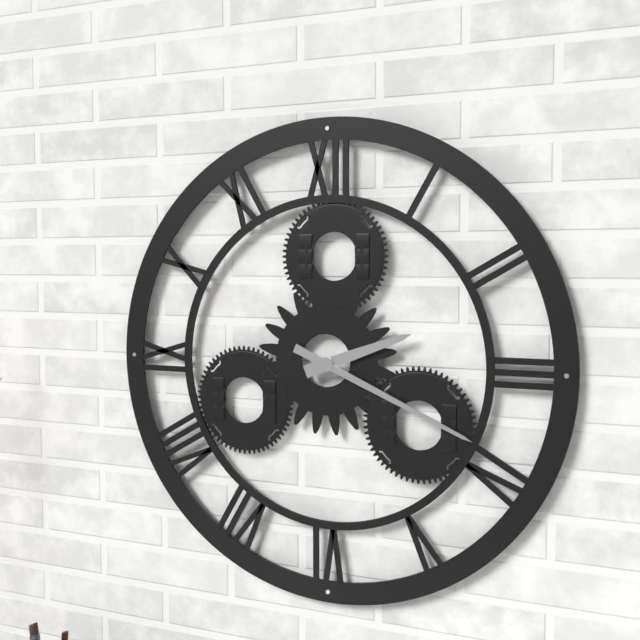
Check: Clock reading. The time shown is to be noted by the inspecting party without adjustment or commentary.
2:19
